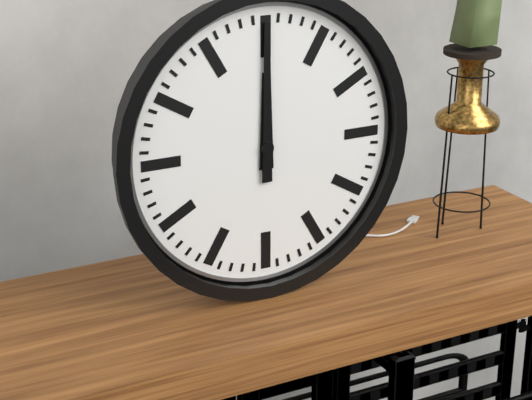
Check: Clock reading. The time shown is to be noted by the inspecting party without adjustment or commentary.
12:00
